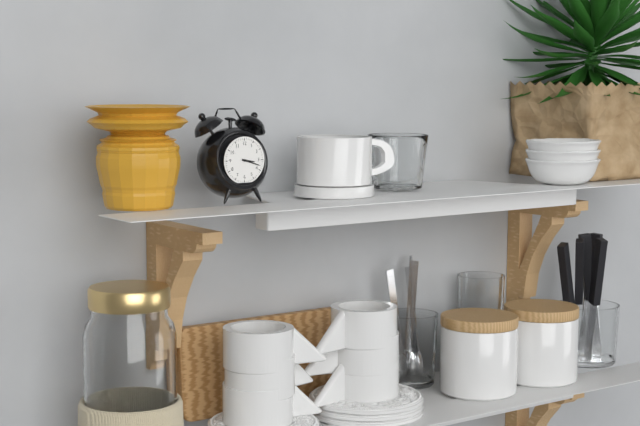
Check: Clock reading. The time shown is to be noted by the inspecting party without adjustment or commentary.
3:18
